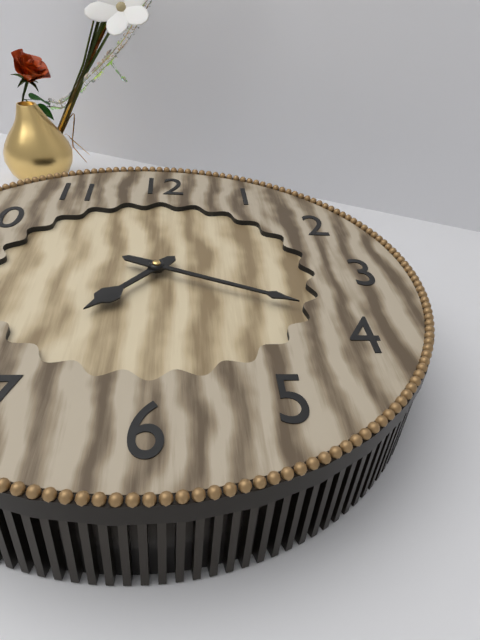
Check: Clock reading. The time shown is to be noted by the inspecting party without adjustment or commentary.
7:19
